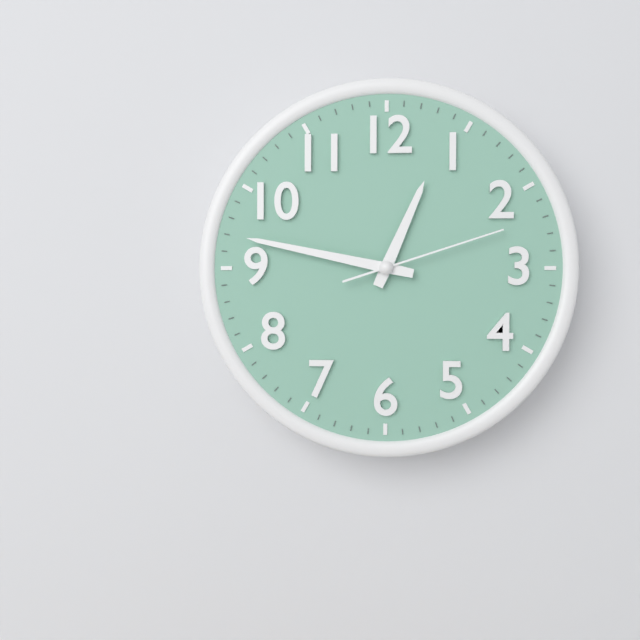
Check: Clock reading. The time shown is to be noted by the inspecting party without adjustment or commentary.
12:47:12
